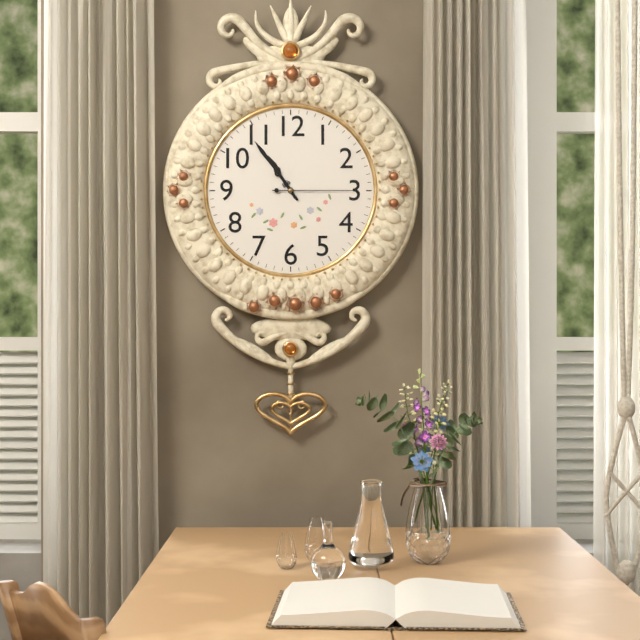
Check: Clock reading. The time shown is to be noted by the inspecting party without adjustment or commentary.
10:54:15
